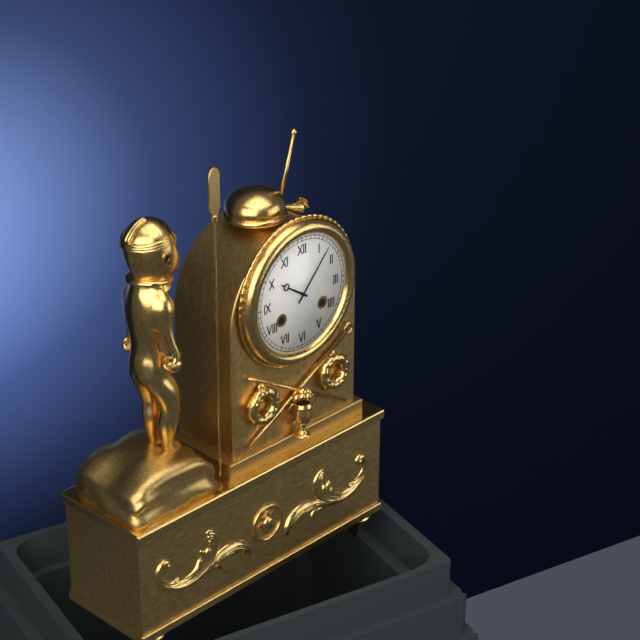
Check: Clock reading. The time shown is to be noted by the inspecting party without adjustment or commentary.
10:07
